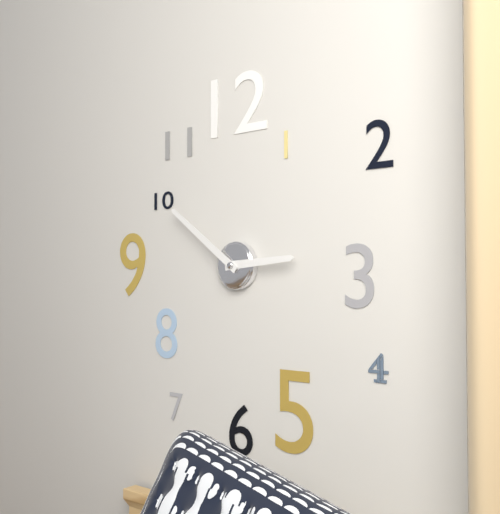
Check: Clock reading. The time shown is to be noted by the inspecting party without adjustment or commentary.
2:51
